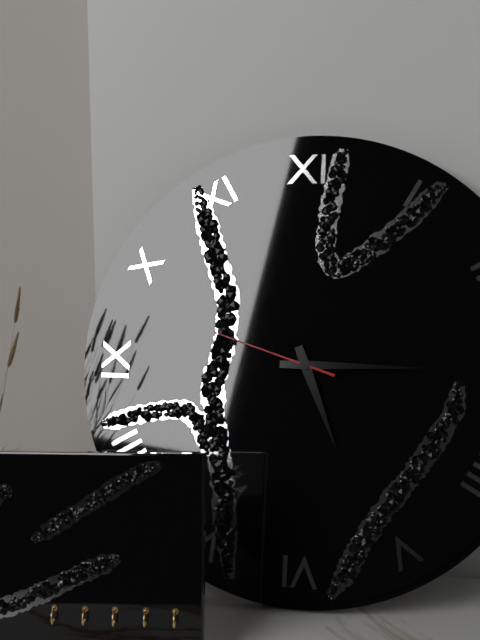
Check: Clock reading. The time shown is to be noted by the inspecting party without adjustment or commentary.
5:15:48
